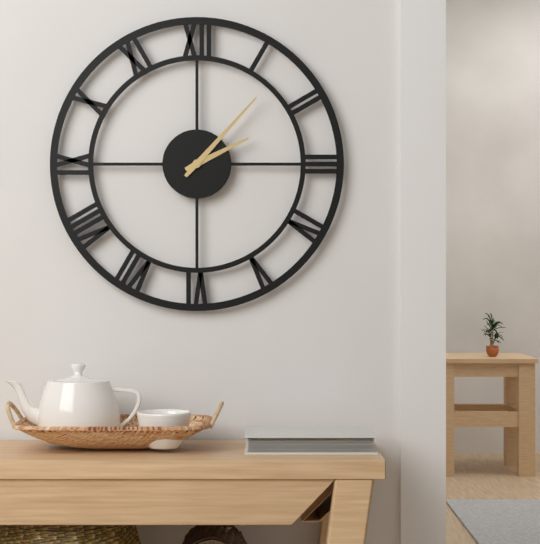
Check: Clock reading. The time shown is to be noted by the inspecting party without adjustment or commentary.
2:07
